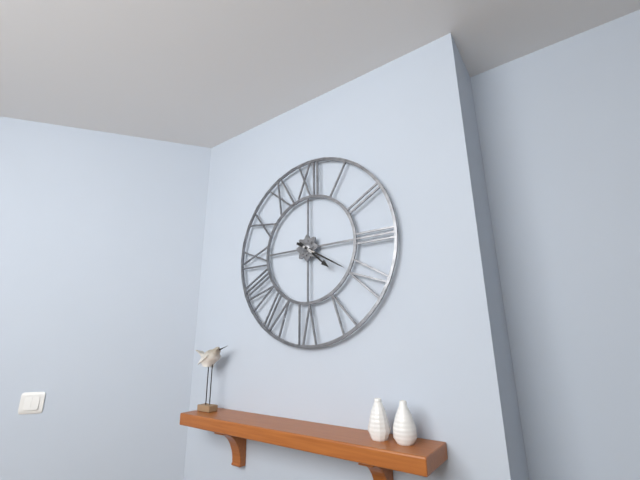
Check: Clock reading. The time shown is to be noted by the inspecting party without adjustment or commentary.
4:20
